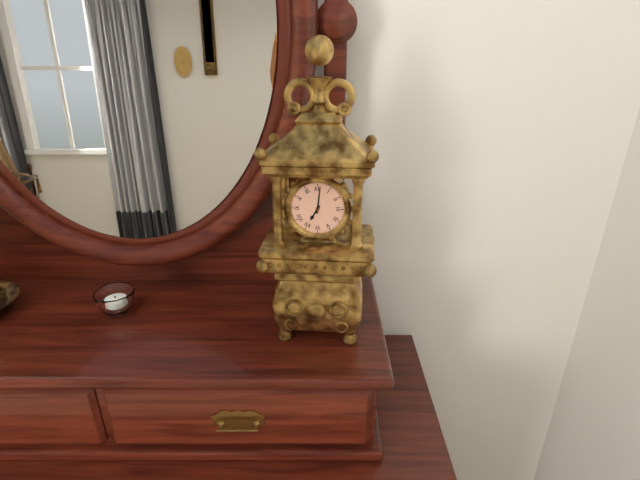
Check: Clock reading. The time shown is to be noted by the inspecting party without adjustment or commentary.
7:01
